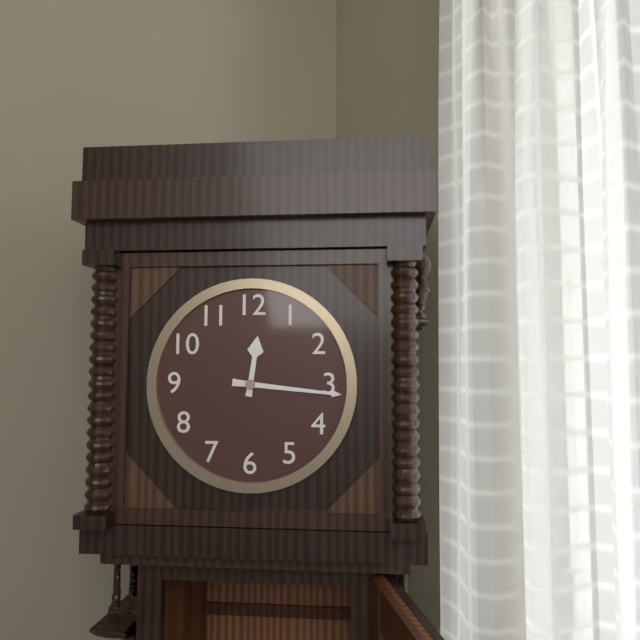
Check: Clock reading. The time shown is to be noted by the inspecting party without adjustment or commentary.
12:16
